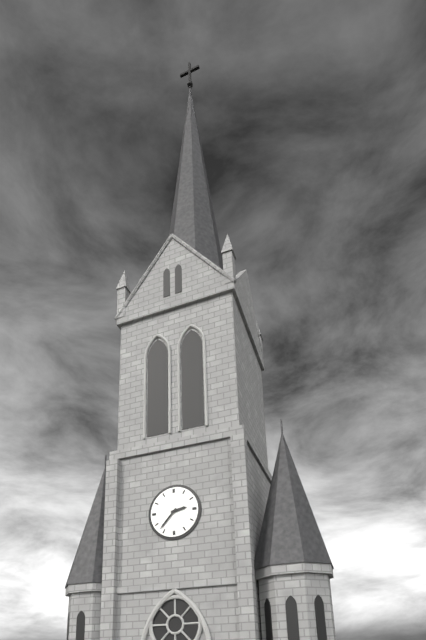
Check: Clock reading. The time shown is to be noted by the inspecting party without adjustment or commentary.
2:37
